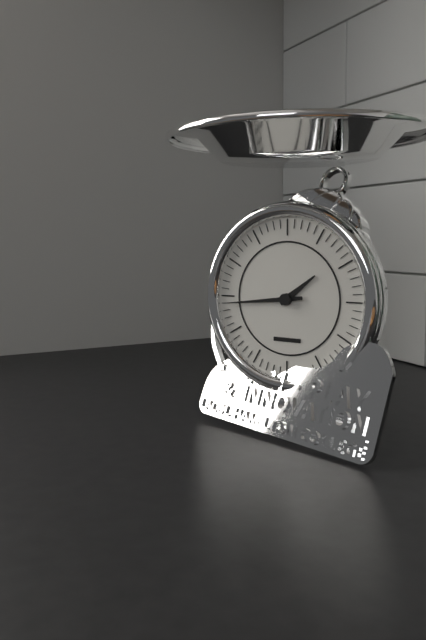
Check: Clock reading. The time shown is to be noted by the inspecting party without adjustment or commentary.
1:44
